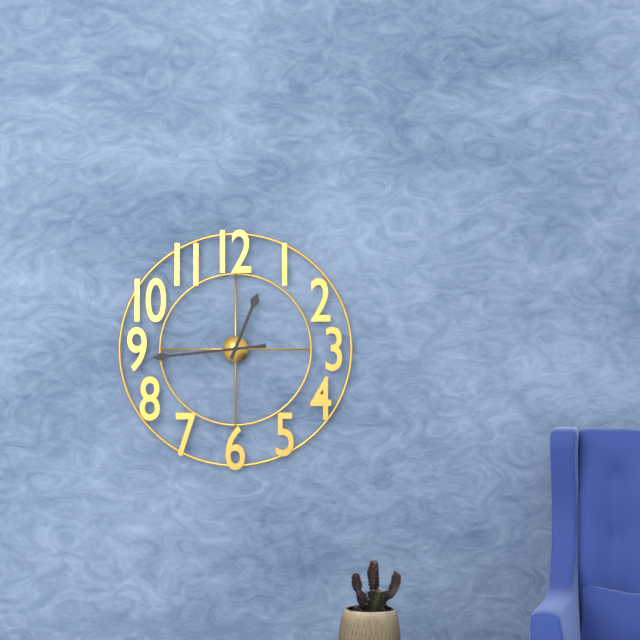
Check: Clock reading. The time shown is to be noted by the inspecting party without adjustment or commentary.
12:44
